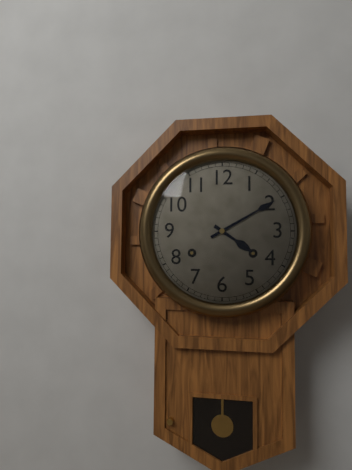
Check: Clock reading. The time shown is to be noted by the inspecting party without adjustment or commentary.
4:10
